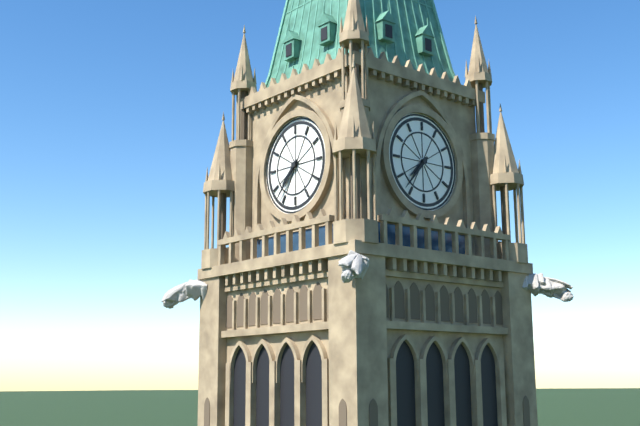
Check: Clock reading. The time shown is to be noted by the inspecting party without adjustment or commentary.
7:37
